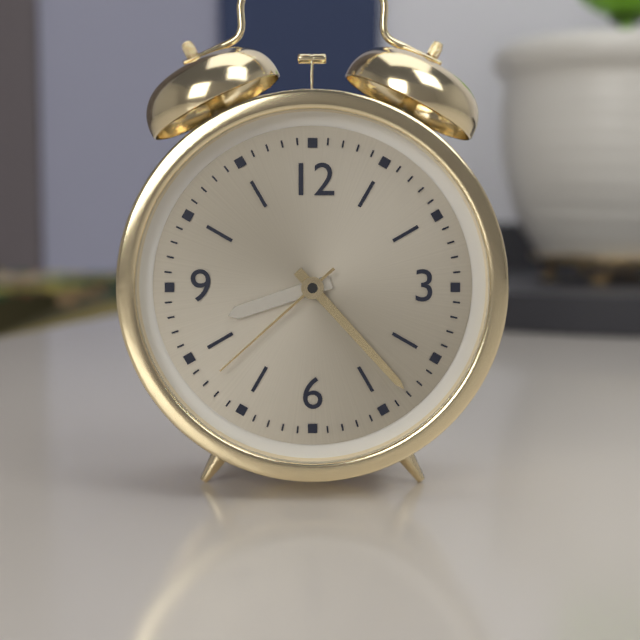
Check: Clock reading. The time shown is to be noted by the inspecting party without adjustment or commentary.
8:23:38
